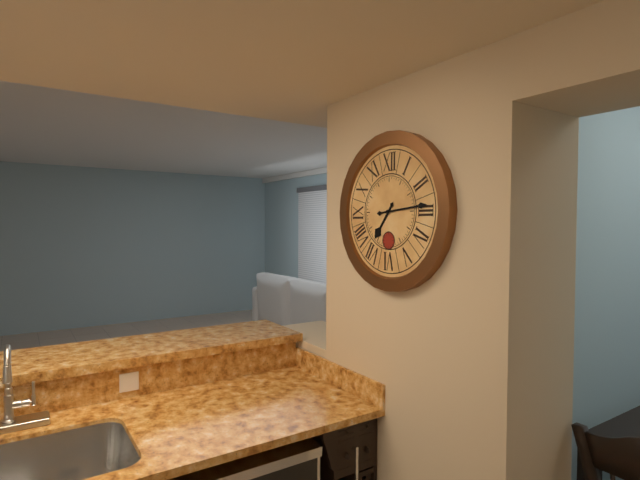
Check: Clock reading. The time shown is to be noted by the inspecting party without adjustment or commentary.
7:14
